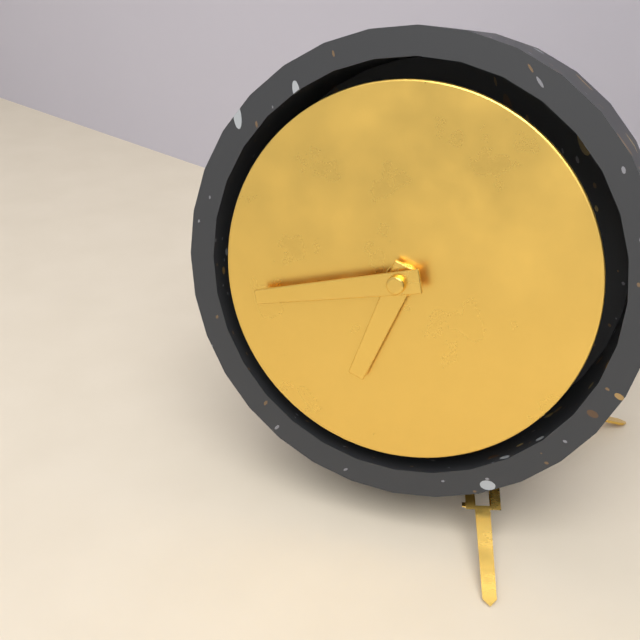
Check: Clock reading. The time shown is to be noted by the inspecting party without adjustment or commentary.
6:43
